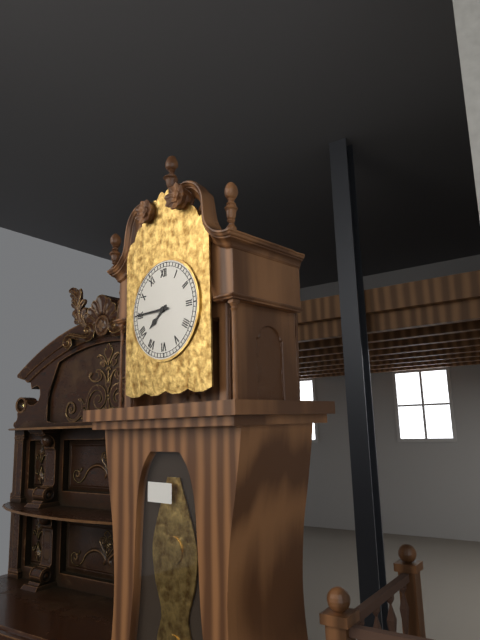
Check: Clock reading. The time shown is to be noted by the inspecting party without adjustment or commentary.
7:45
